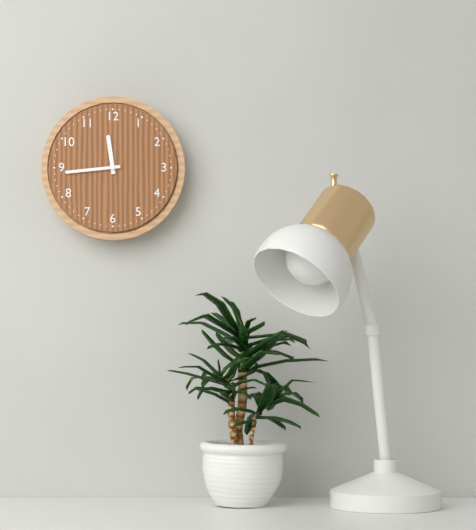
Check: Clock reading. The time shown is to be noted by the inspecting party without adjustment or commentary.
11:44
